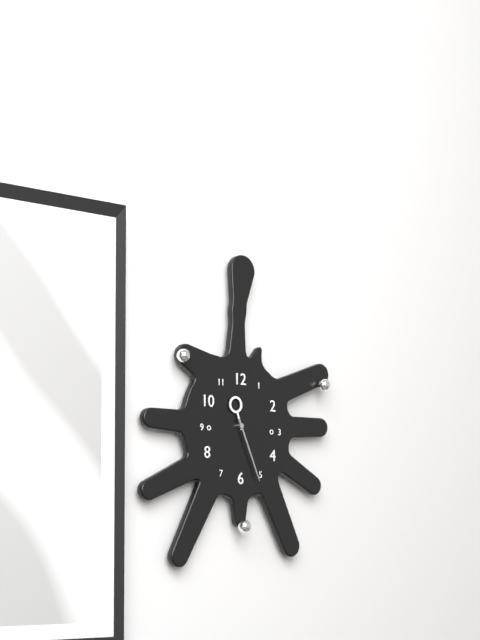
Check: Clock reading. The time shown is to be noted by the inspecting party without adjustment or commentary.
11:26
